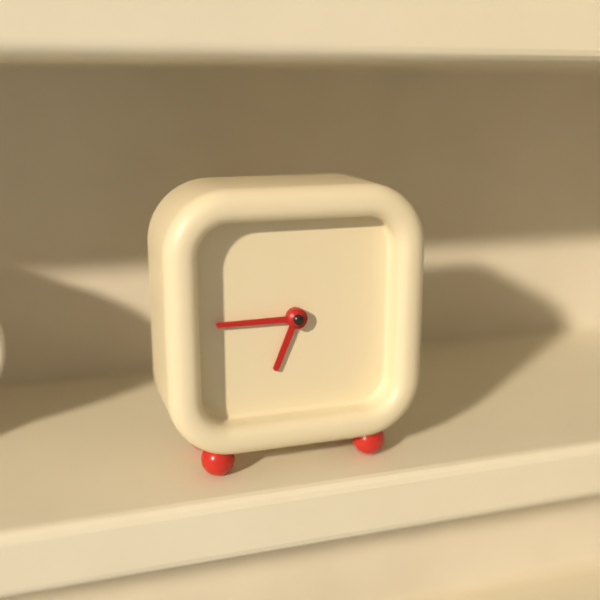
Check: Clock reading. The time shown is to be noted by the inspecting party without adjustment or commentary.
6:45
